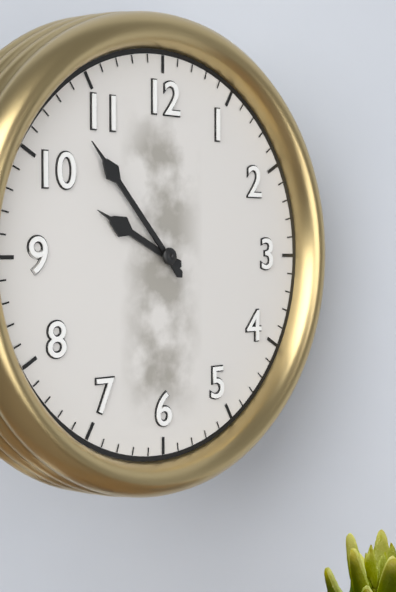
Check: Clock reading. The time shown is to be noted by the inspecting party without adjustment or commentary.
9:53
